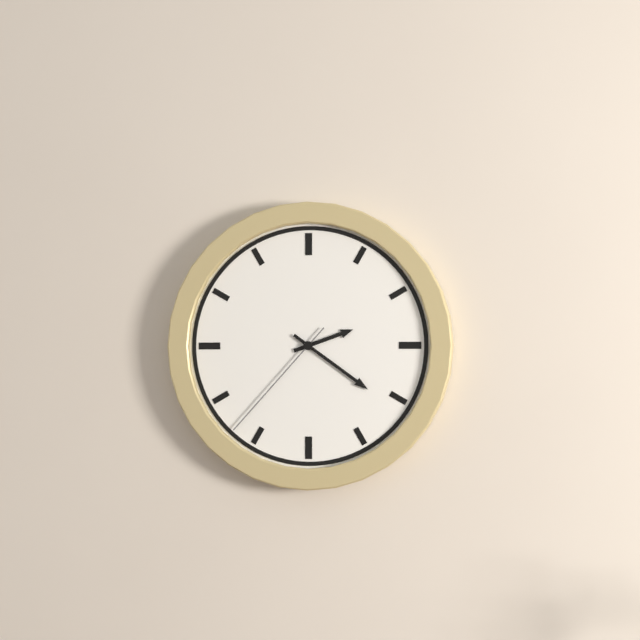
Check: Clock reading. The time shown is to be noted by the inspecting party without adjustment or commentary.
2:21:37
